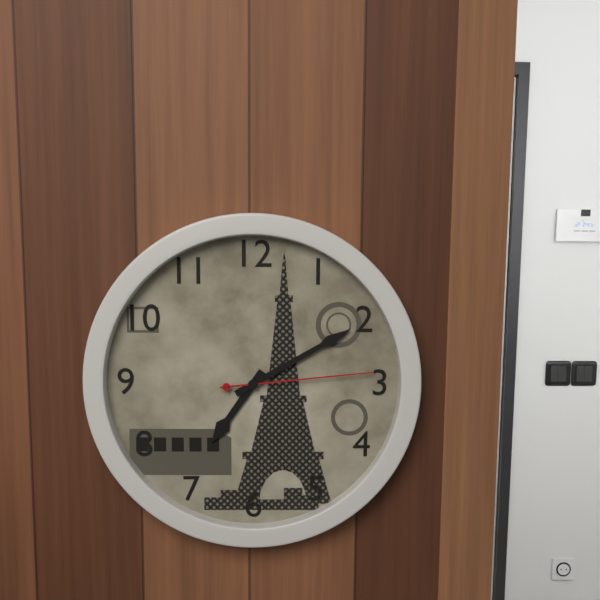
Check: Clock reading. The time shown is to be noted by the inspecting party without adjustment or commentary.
7:10:14
